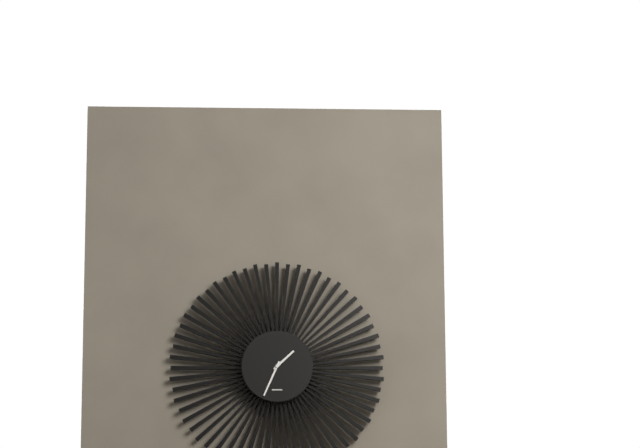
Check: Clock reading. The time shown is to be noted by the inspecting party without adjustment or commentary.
1:34
